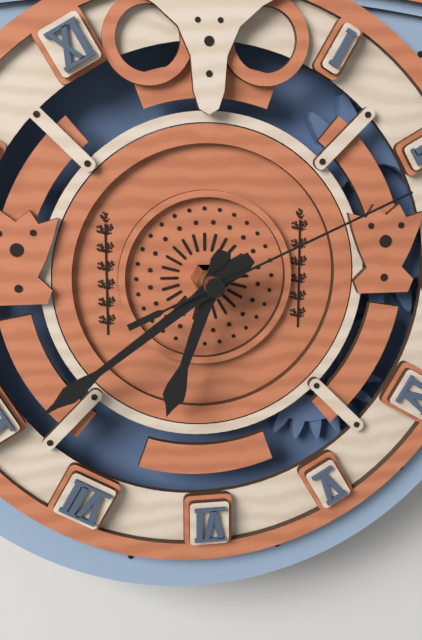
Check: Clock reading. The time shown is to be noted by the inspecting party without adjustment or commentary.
6:39:11
